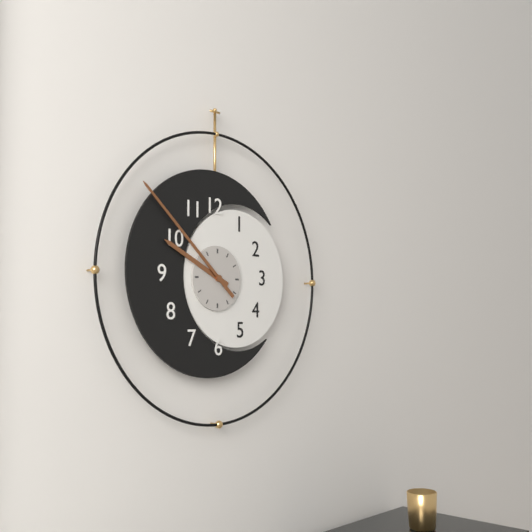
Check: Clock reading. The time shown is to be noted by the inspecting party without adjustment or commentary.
9:52
